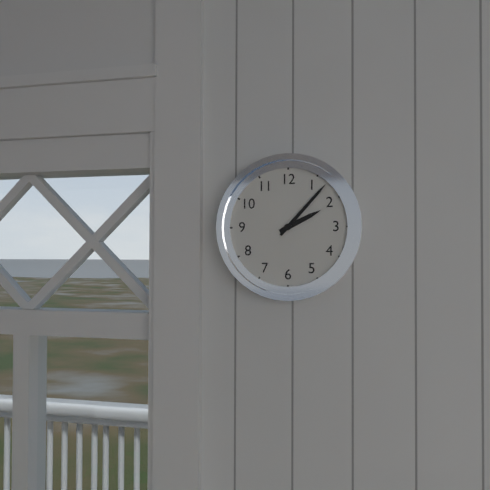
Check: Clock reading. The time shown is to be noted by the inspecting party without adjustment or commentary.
2:07
